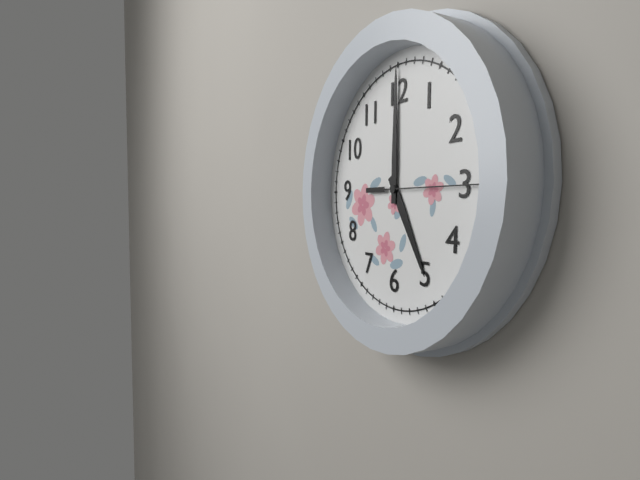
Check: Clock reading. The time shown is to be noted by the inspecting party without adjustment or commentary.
5:00:15
